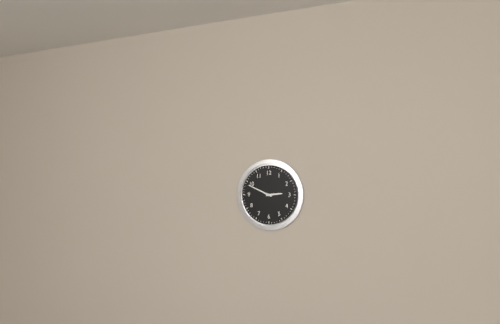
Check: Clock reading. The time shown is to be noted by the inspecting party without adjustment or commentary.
2:49
